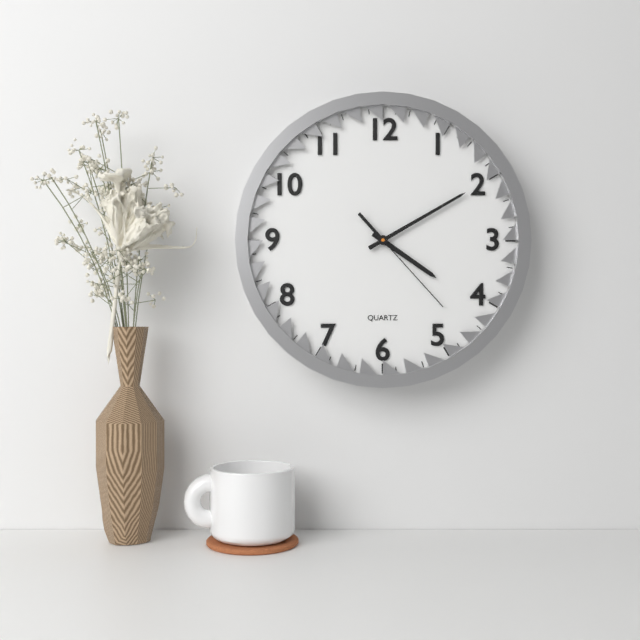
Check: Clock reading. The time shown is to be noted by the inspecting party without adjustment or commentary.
4:10:23
